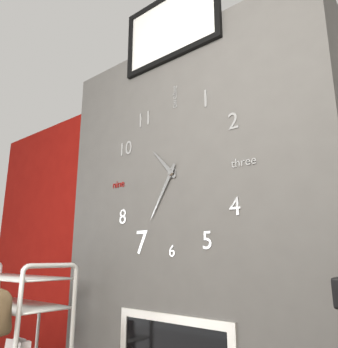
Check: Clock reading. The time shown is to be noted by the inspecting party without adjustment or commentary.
10:35
